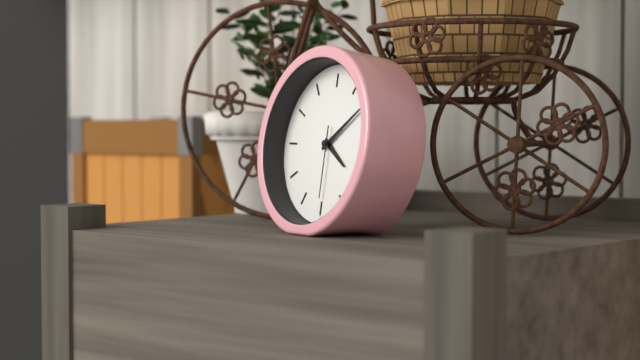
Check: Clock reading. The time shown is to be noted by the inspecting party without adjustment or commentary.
4:09:30
